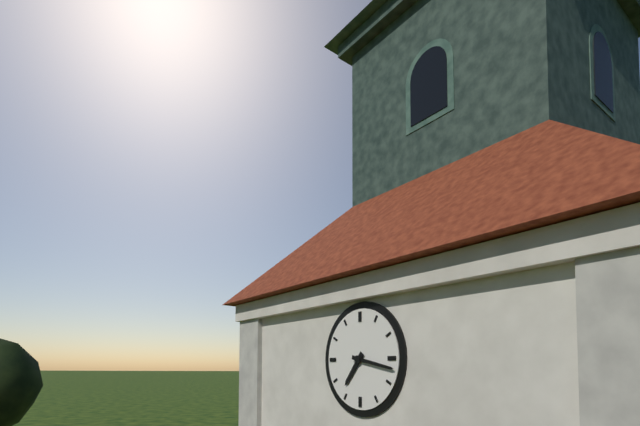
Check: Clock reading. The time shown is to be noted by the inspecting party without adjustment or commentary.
7:17
